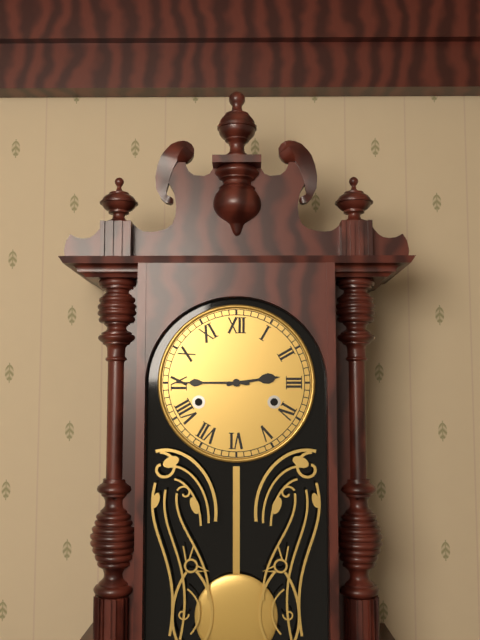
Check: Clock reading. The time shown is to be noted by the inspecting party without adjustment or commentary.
2:45
